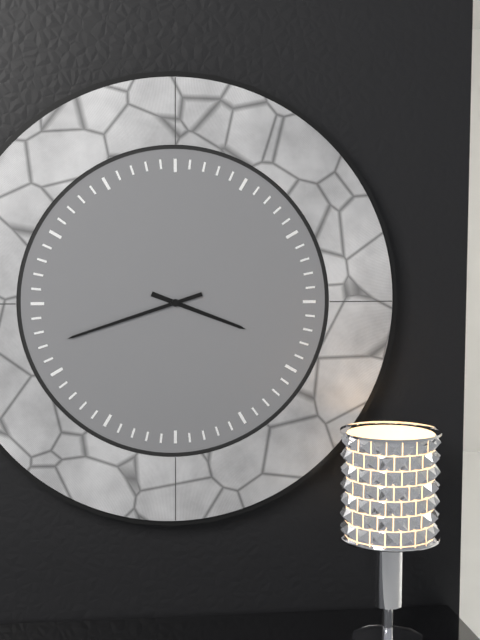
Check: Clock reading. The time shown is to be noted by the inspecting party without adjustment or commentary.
3:42
